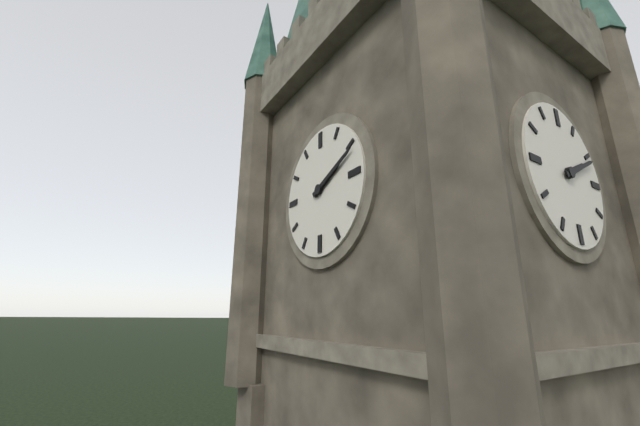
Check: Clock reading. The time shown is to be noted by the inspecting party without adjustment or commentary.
2:11
